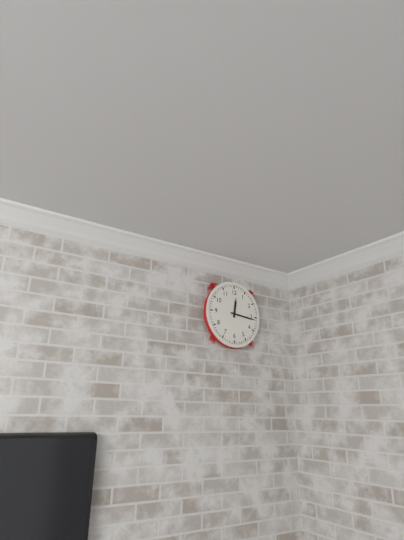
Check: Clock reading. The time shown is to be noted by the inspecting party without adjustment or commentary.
12:16
